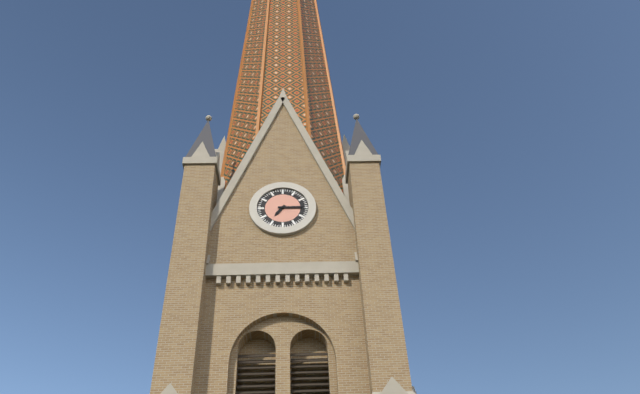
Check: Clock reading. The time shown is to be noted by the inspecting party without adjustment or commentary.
7:15
